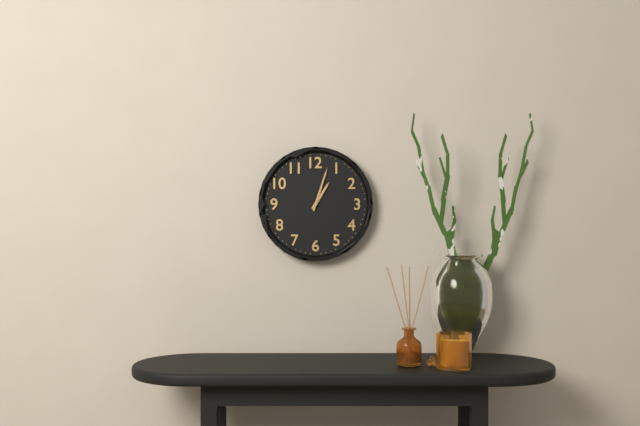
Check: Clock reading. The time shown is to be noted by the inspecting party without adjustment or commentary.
1:03
